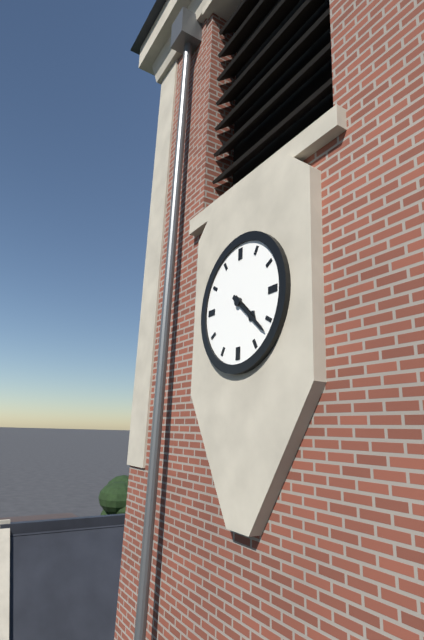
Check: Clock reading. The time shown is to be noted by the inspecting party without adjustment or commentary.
4:22
